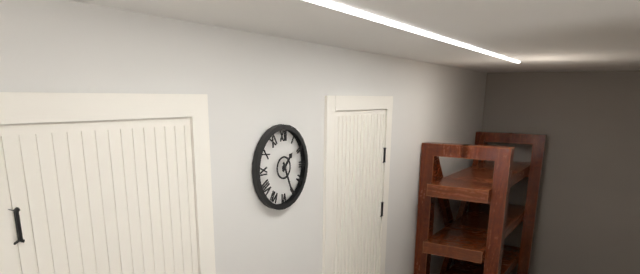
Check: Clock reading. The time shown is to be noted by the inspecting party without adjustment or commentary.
1:26
